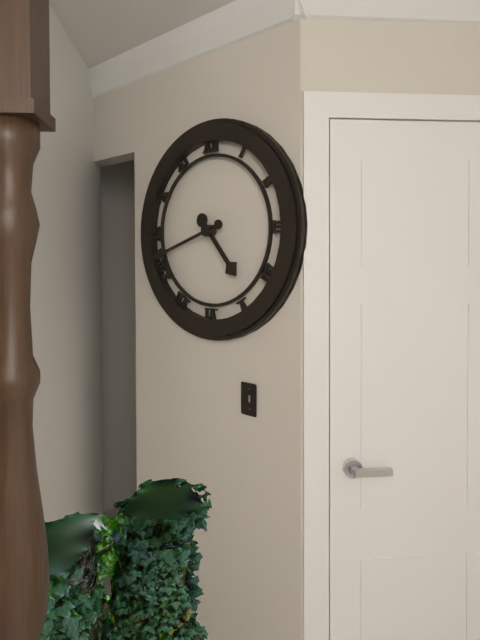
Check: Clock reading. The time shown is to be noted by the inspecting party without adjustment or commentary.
4:42
